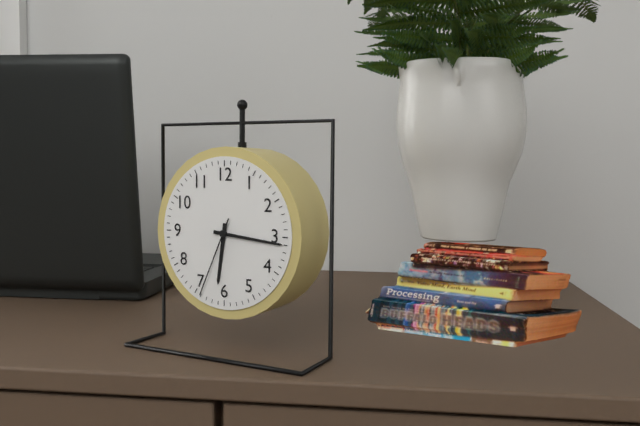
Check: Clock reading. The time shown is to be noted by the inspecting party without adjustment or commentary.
6:16:34
